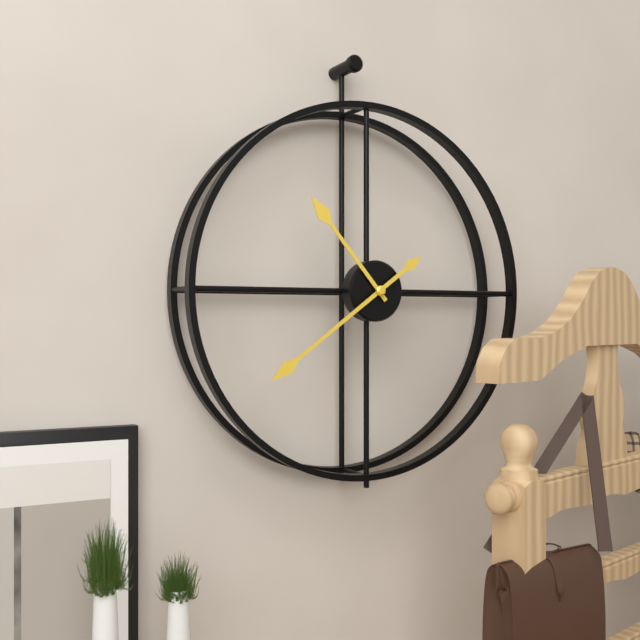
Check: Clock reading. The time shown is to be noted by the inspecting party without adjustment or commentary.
10:39
